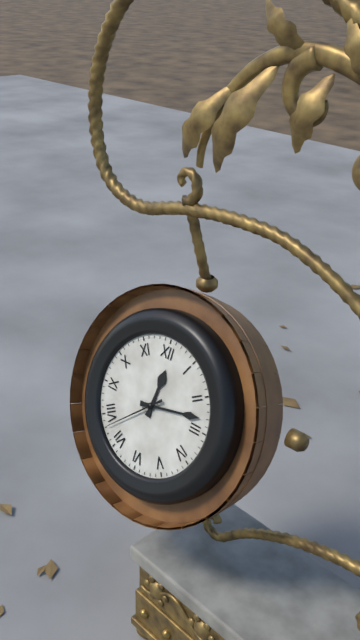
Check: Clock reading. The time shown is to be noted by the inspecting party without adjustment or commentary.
12:13:38
